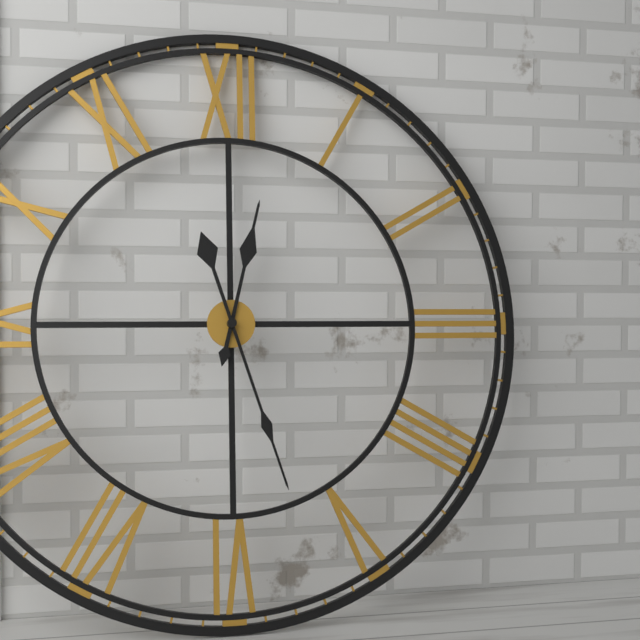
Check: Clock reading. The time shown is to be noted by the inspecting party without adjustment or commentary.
12:27
